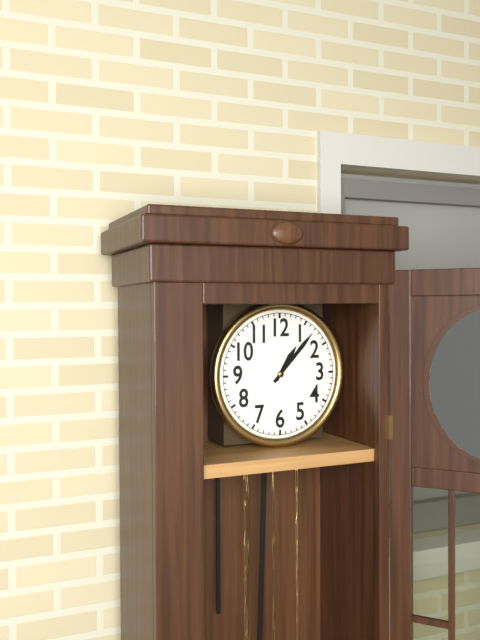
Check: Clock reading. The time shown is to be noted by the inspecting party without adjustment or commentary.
1:07
